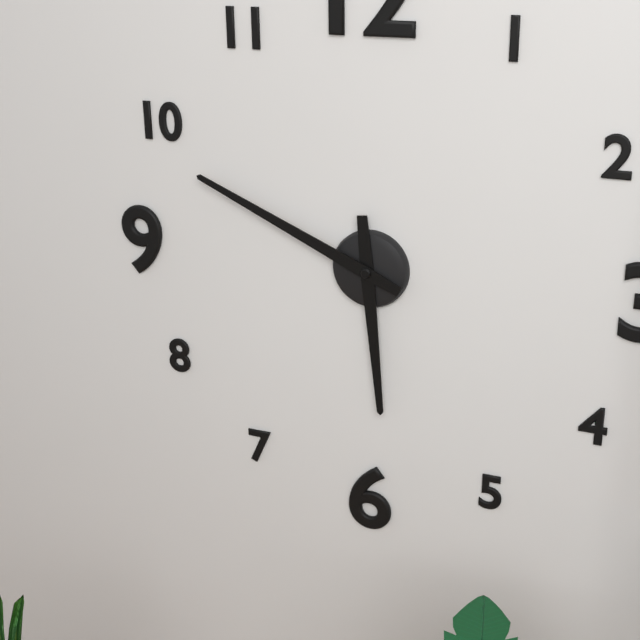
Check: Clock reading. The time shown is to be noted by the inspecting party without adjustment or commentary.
5:49
